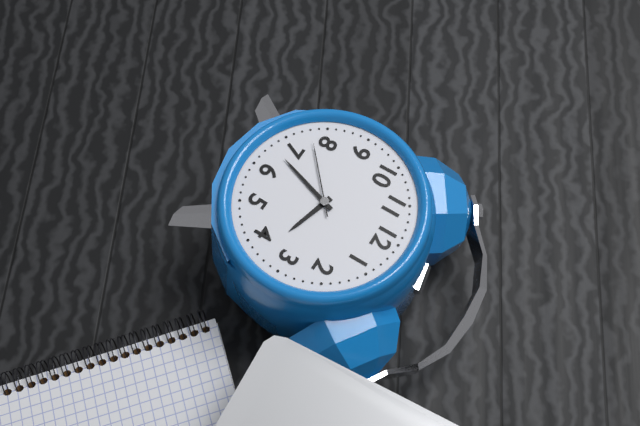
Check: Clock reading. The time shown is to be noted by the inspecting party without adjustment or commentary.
3:33:38
